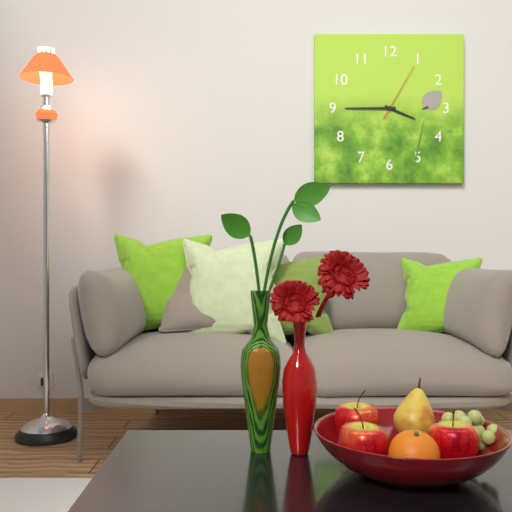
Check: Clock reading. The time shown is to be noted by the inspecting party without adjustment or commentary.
3:45:05
